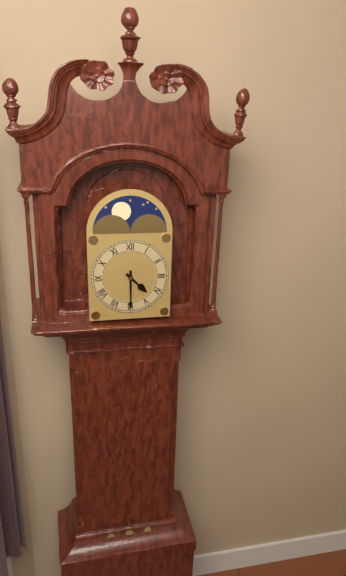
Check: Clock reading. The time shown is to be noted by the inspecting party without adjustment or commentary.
4:30
